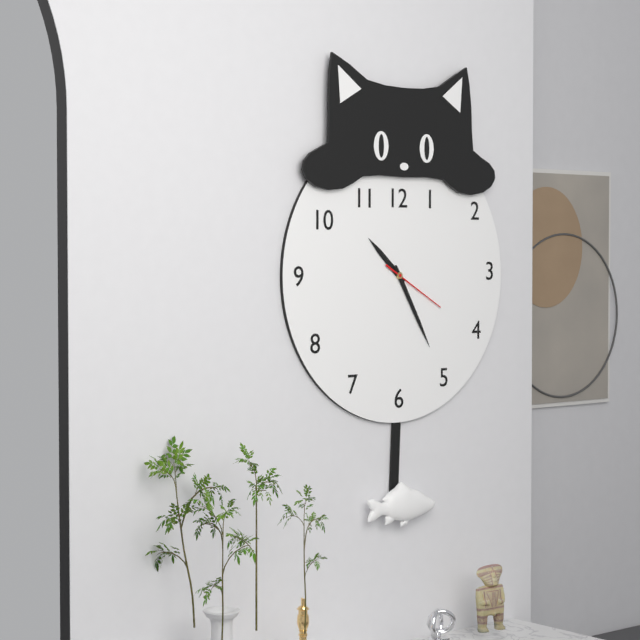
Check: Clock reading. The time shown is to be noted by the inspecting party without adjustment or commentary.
10:25:20
